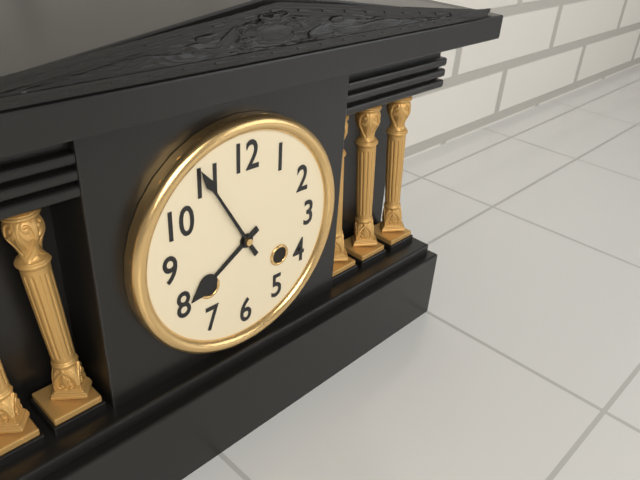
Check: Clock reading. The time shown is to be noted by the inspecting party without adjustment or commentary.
7:55
